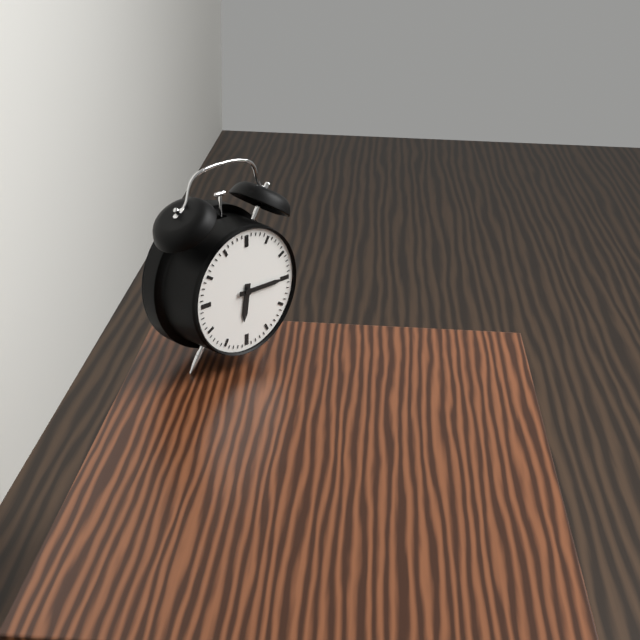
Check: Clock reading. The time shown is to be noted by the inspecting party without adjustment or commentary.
6:15
